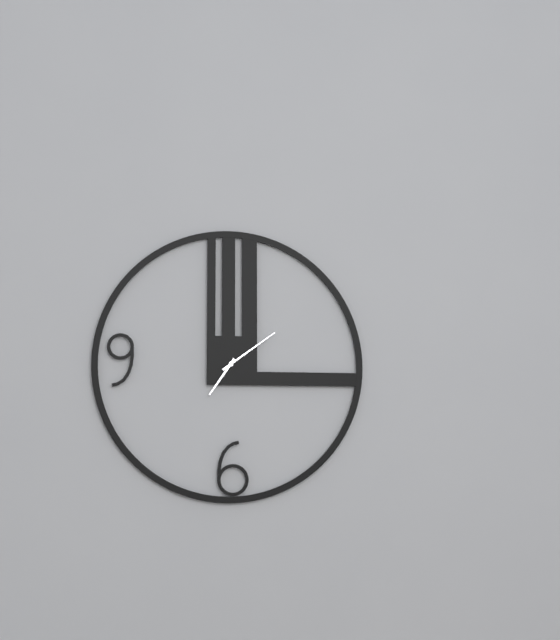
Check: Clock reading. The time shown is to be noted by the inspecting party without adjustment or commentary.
7:09
